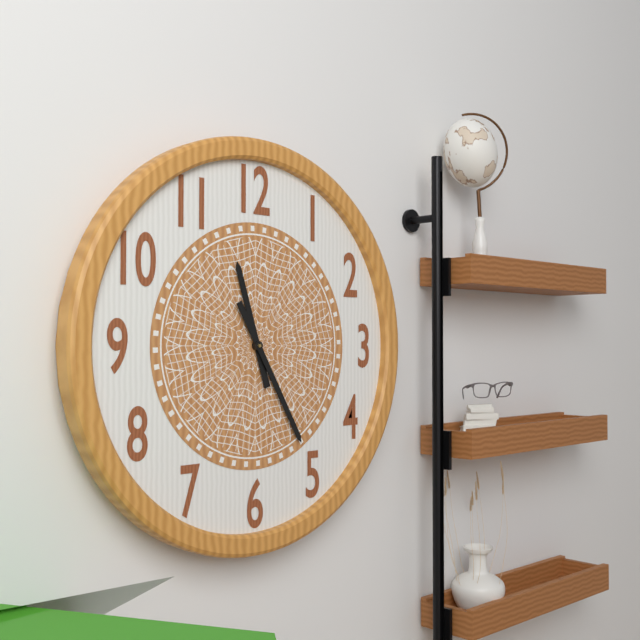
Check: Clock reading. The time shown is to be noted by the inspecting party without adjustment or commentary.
11:25
